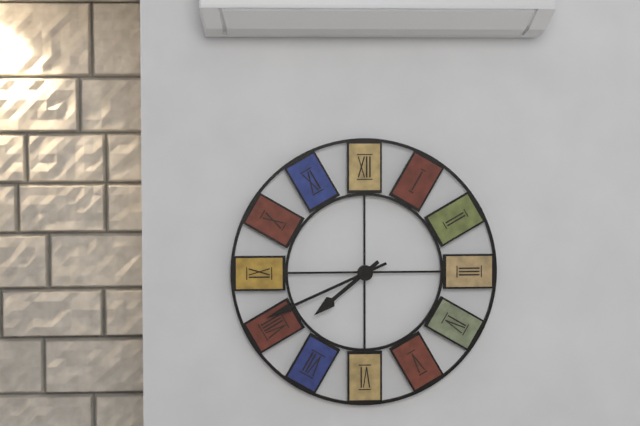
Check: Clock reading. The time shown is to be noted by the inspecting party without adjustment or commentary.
7:41
